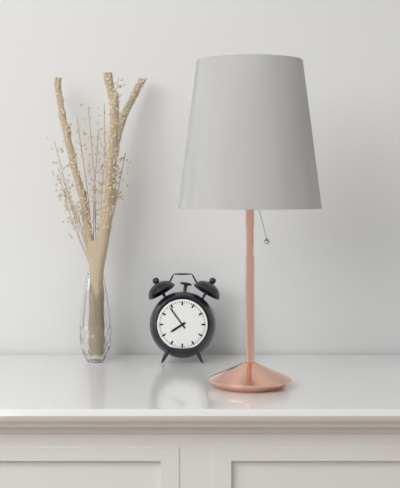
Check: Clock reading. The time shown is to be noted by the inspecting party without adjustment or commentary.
7:54
